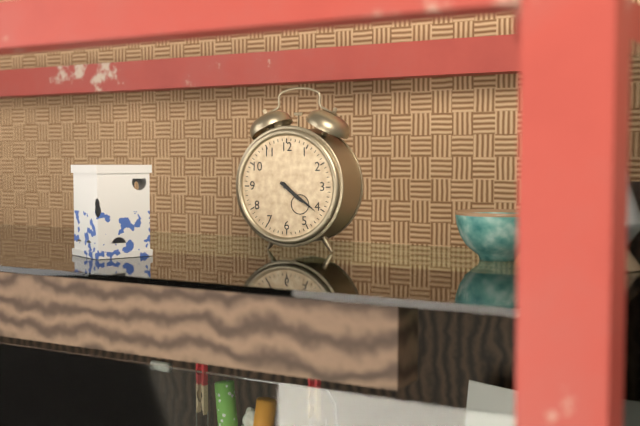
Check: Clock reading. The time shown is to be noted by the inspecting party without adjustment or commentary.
4:21
